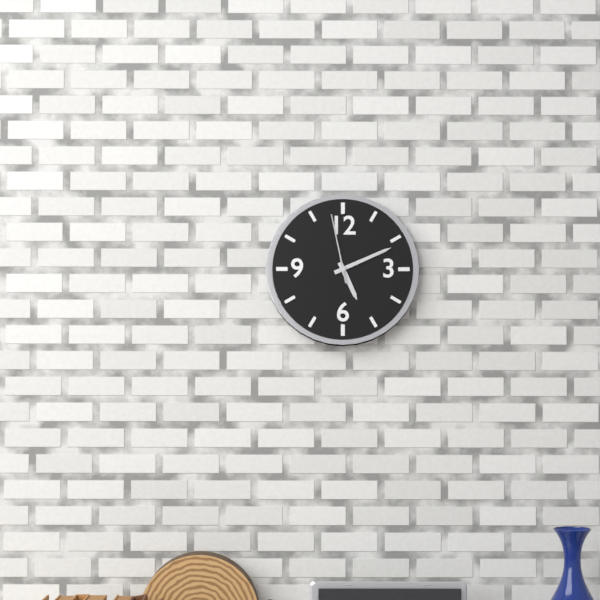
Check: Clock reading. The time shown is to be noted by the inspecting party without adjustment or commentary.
5:11:58
